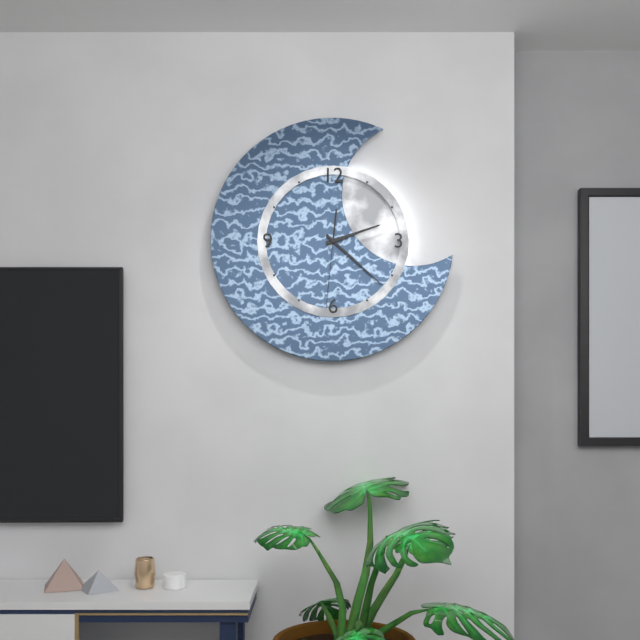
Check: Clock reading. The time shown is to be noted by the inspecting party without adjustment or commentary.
2:22:31
